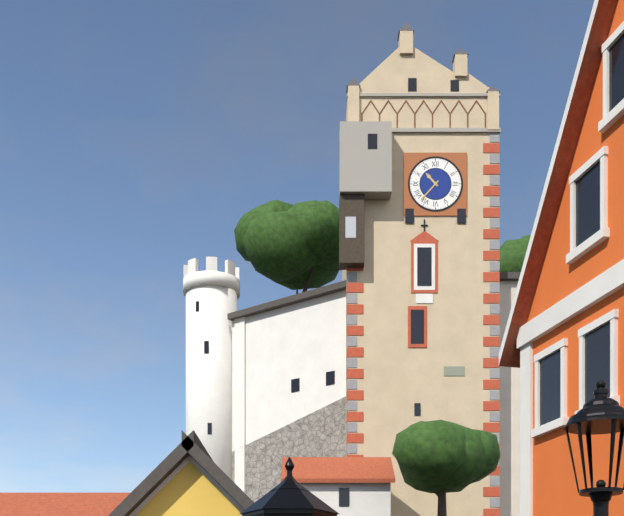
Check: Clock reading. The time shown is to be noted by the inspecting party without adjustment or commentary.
10:37
